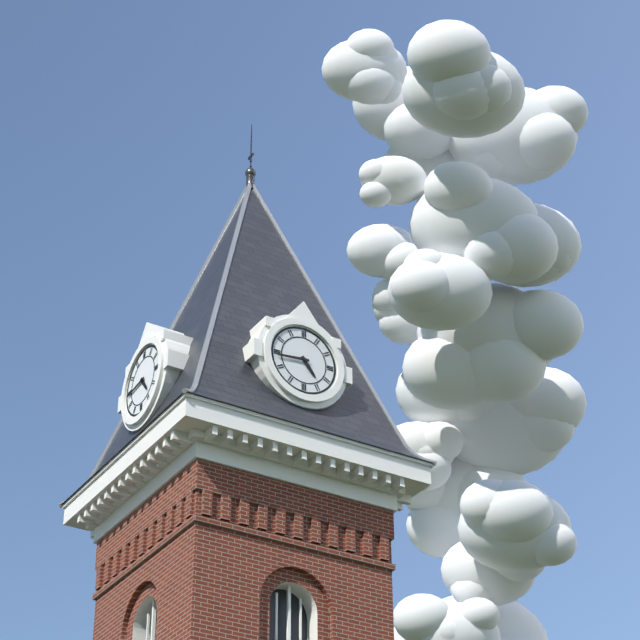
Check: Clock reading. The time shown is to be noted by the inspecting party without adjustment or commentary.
4:44
